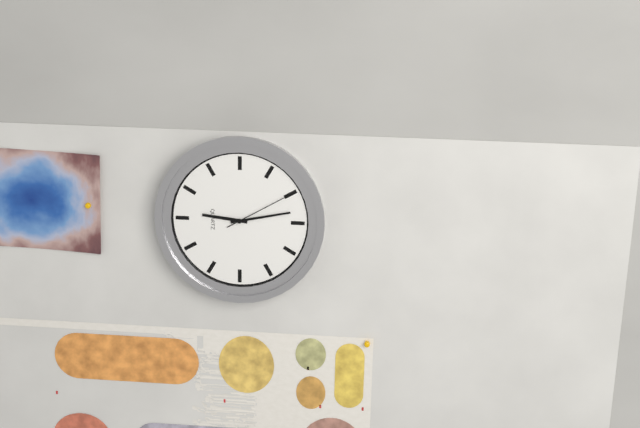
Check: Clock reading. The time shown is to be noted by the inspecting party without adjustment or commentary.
9:13:10
